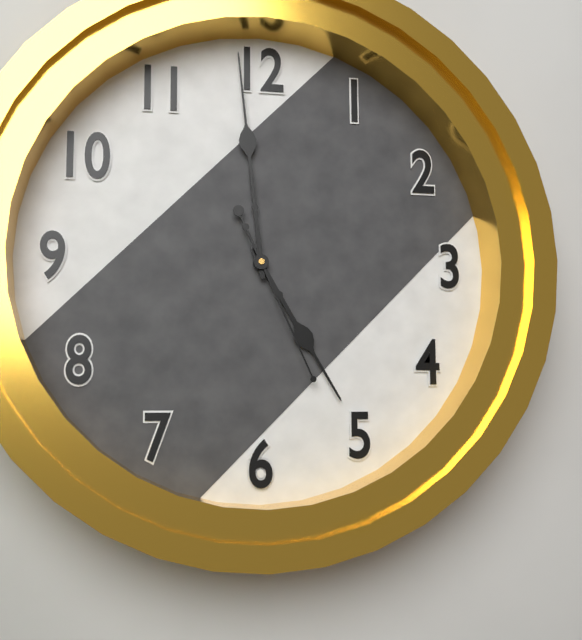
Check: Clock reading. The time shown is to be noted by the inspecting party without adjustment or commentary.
4:59:26
